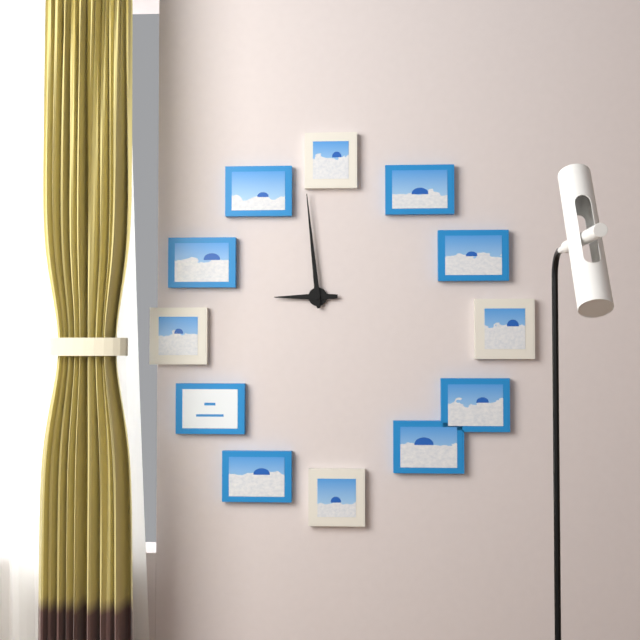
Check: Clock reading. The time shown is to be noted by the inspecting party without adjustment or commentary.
8:59
